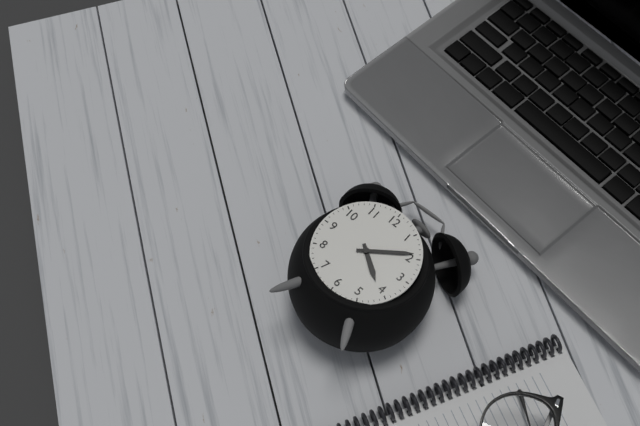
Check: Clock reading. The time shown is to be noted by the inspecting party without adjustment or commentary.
4:09
